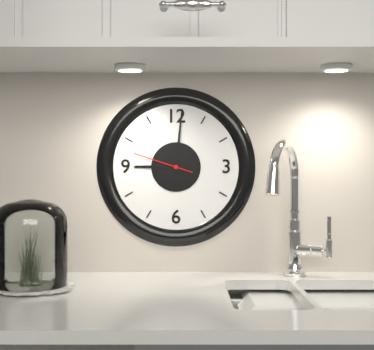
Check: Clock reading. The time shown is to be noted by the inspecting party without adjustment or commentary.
9:01:48
